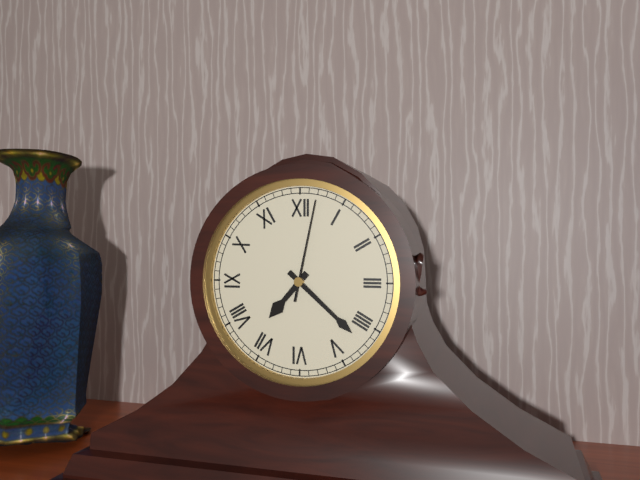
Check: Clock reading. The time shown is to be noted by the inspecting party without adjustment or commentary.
7:22:02
